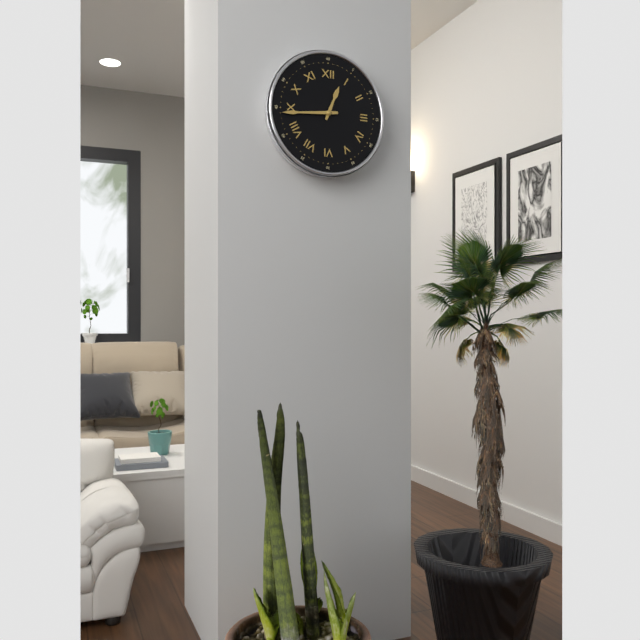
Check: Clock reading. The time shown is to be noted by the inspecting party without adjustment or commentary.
12:44
